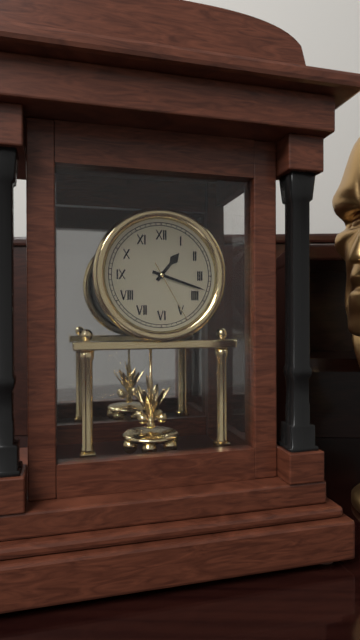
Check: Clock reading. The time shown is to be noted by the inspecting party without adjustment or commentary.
1:18:25
